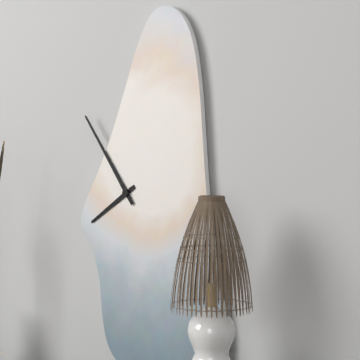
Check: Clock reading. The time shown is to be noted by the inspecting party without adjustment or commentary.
7:54
